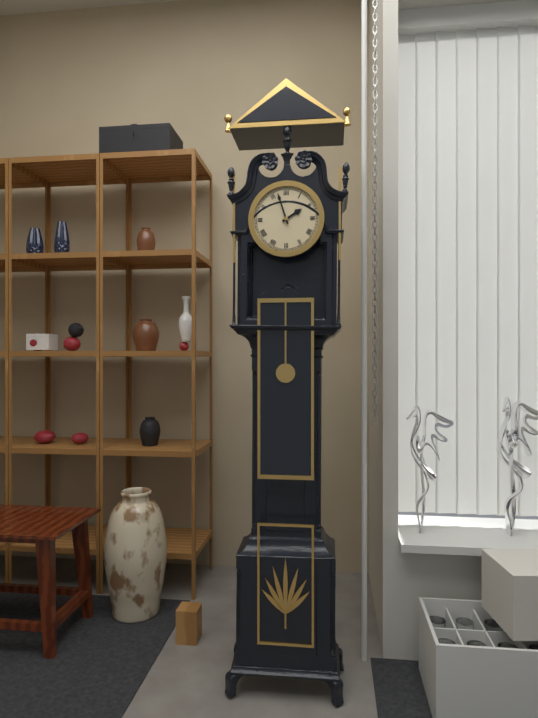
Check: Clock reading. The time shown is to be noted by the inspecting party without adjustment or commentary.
1:57
